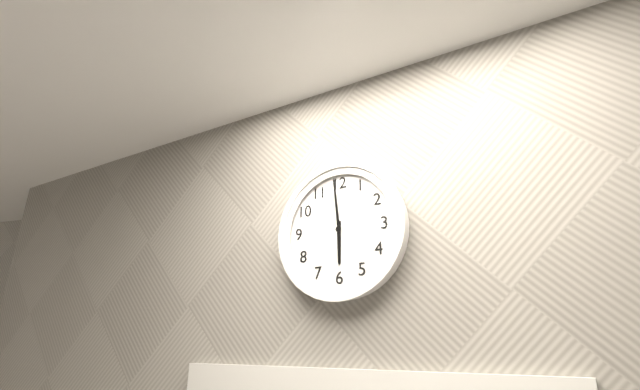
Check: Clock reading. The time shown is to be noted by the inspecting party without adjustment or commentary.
5:59
